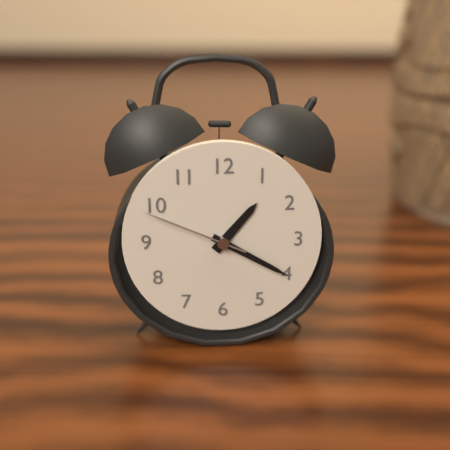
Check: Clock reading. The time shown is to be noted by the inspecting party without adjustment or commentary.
1:20:49
